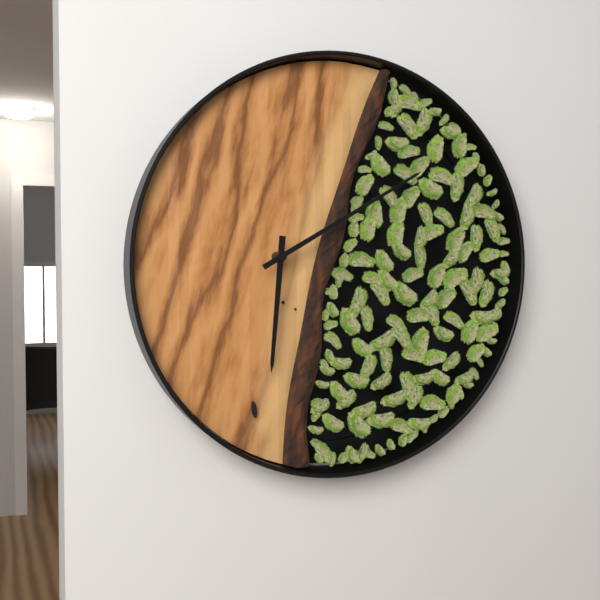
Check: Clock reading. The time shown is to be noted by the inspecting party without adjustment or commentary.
6:10
